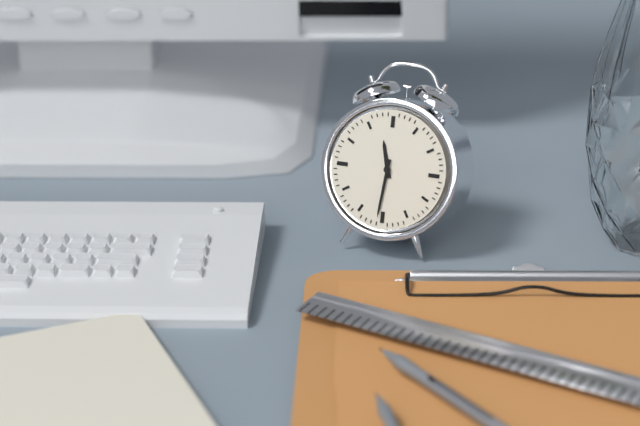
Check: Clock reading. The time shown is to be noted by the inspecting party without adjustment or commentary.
11:31
